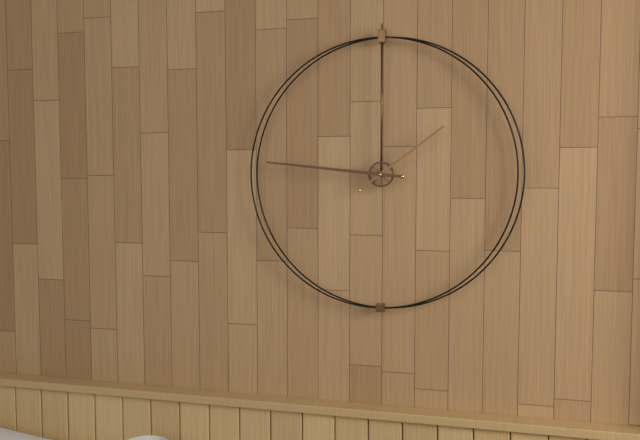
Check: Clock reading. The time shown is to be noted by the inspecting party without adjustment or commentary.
1:46
